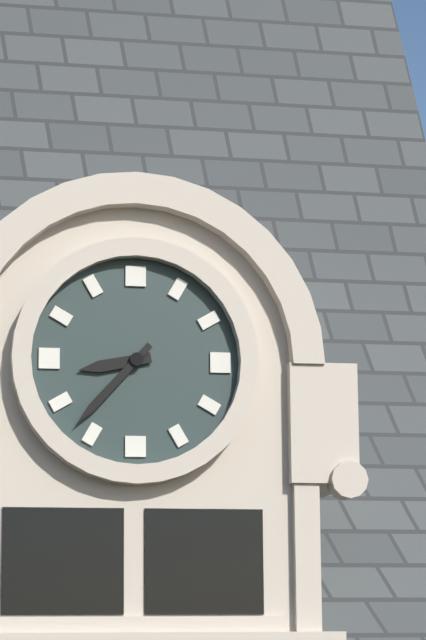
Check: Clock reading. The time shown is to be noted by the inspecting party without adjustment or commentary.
8:37
